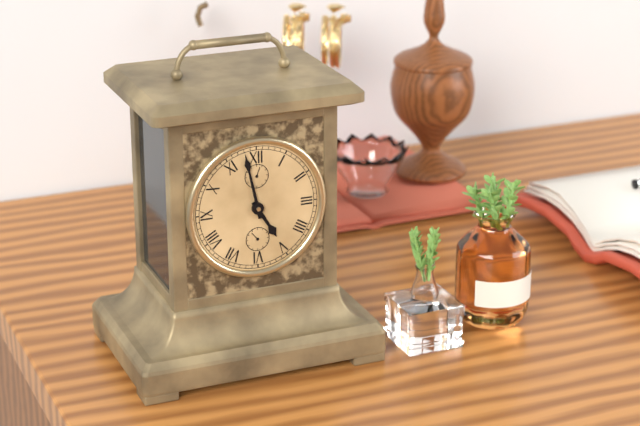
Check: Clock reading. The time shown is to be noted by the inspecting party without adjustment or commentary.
4:58
